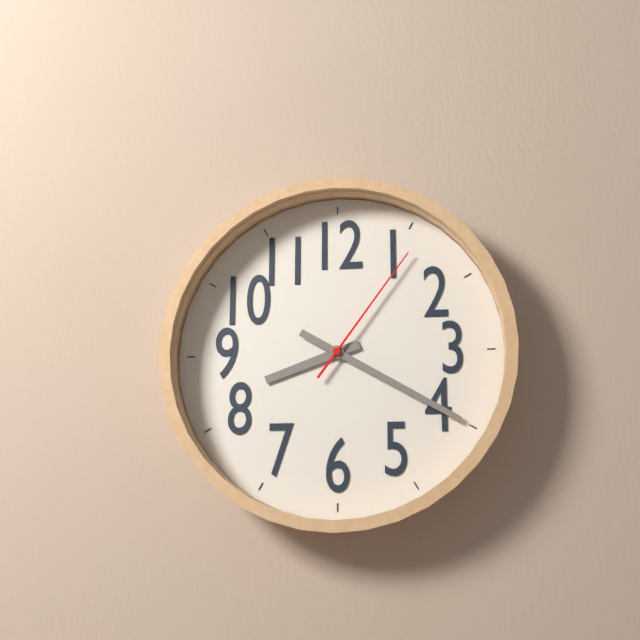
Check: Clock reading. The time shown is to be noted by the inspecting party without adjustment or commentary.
8:20:06
